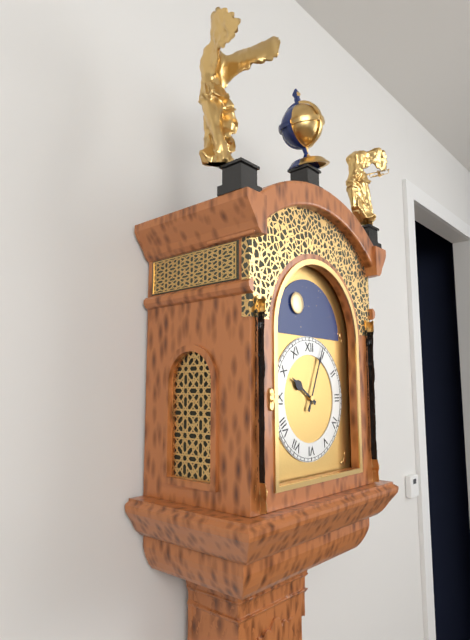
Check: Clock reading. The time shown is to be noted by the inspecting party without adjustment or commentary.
10:04
